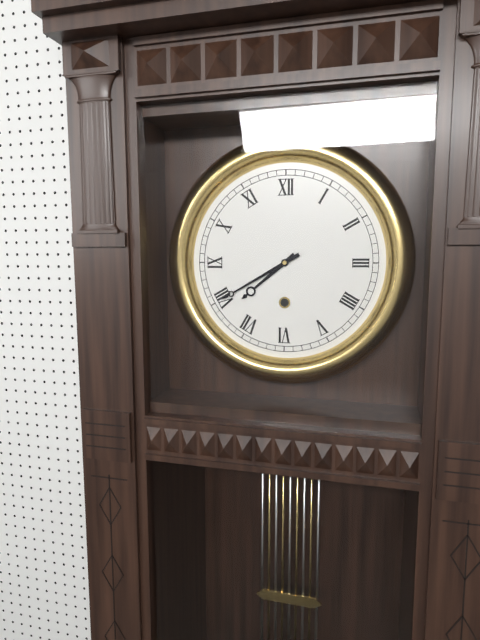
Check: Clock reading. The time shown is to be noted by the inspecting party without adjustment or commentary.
7:40
